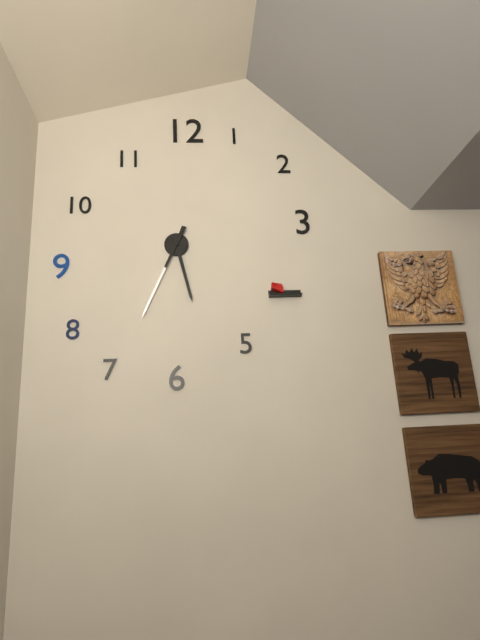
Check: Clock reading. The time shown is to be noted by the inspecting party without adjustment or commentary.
5:34
